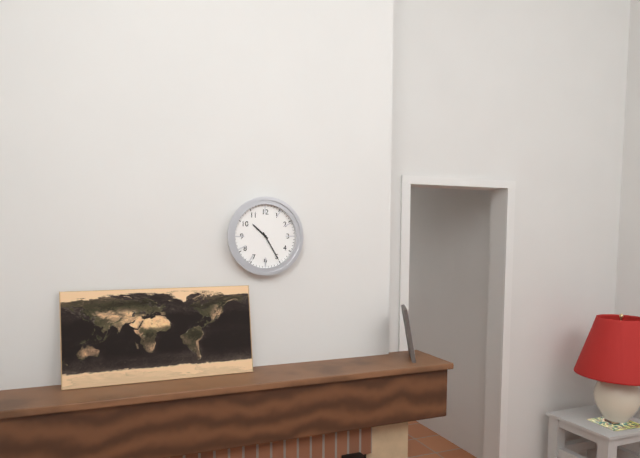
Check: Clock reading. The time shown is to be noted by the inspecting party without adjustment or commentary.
10:25
